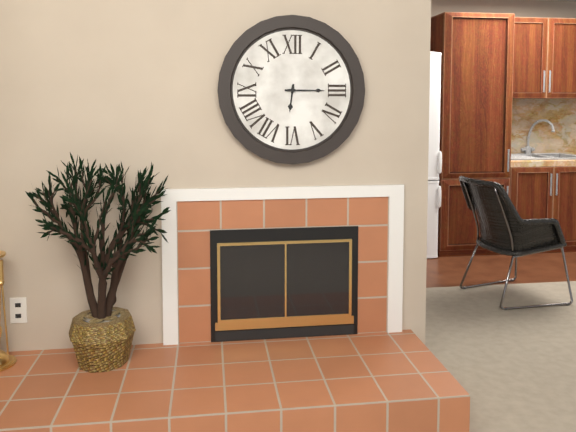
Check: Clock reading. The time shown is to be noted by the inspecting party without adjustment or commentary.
6:15
